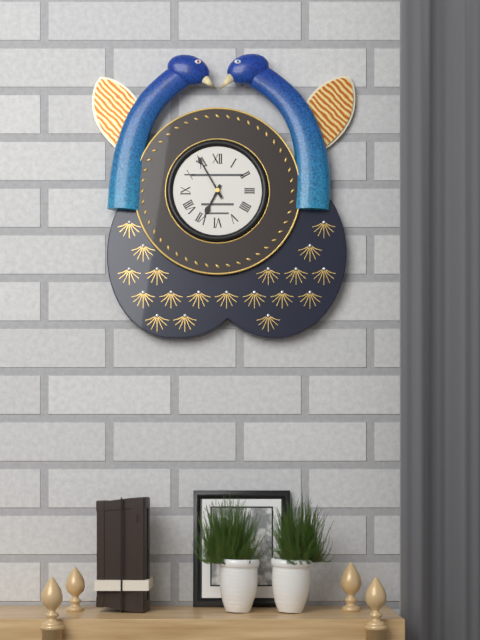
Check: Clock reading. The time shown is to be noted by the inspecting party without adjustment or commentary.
6:55
